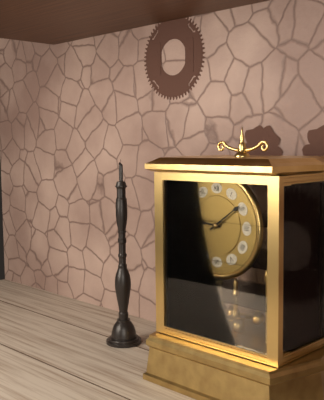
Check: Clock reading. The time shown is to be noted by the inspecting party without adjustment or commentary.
9:09
